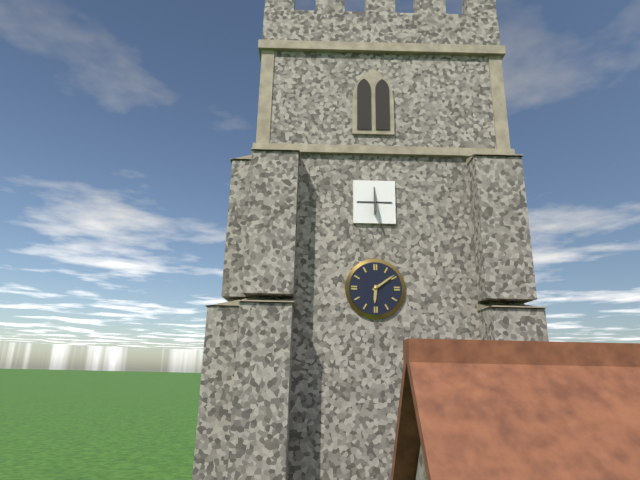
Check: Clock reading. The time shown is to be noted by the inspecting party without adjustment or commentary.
6:09
